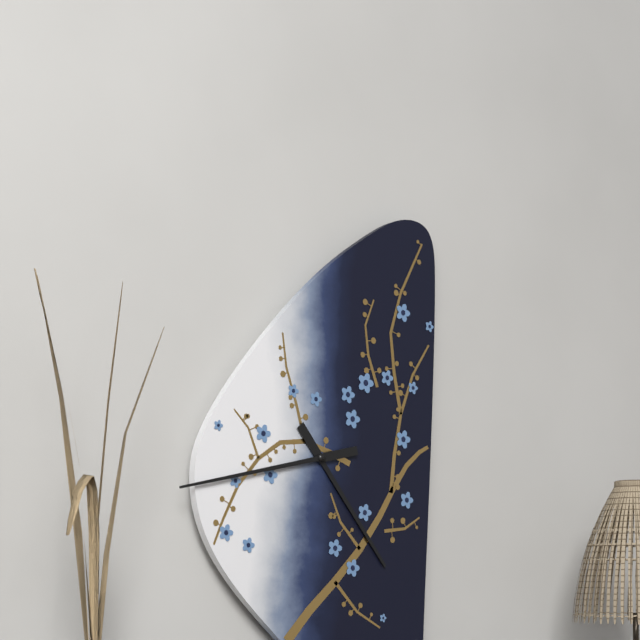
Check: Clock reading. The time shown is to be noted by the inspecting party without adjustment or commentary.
4:43
